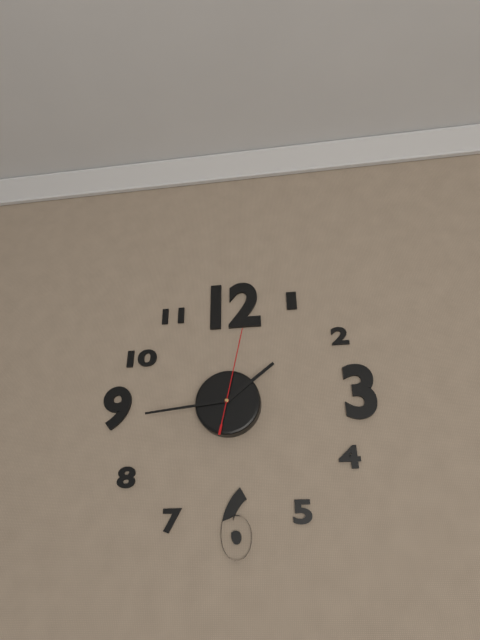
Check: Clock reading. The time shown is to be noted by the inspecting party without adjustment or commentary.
1:44:02
